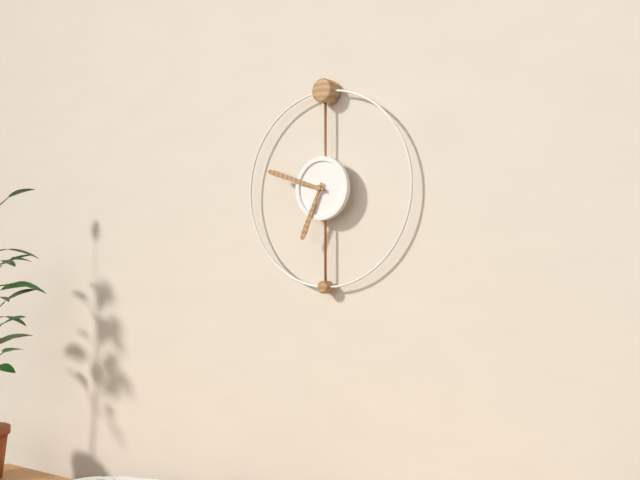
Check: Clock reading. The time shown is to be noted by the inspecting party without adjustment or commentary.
6:48
